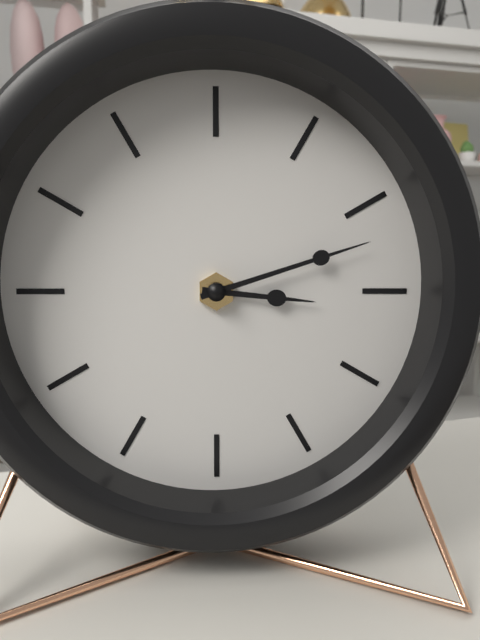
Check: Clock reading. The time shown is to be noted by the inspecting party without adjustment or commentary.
3:12
